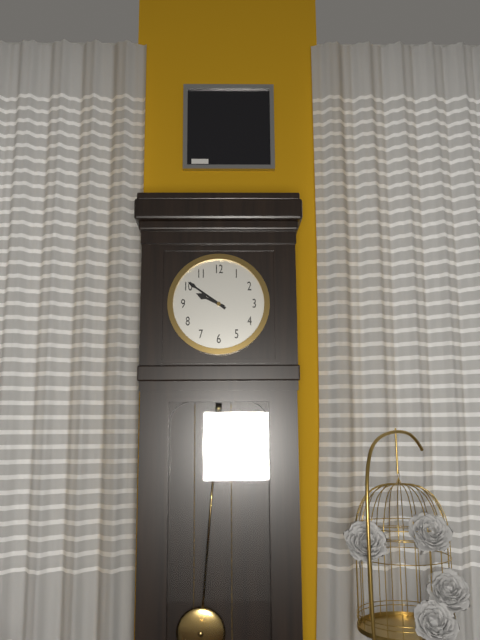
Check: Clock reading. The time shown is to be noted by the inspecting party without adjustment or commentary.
9:51
